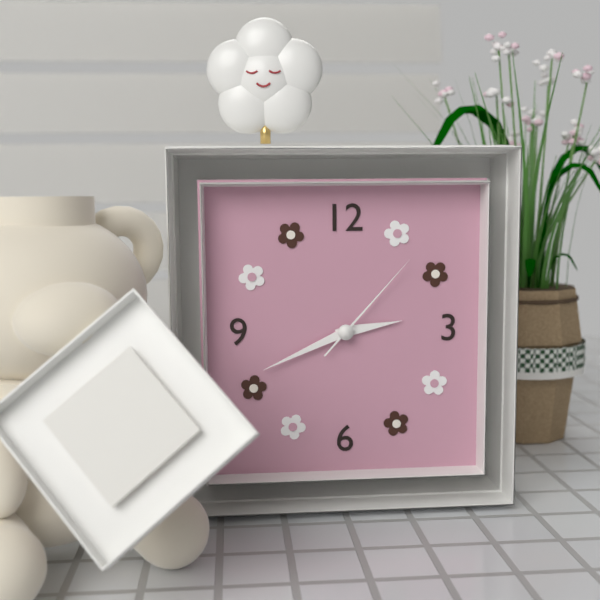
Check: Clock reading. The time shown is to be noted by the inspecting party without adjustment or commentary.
2:41:07
